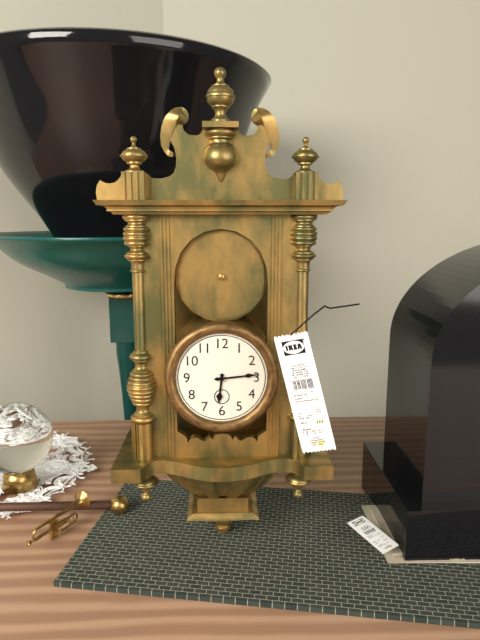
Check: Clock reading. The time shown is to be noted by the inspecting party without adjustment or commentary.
6:14
